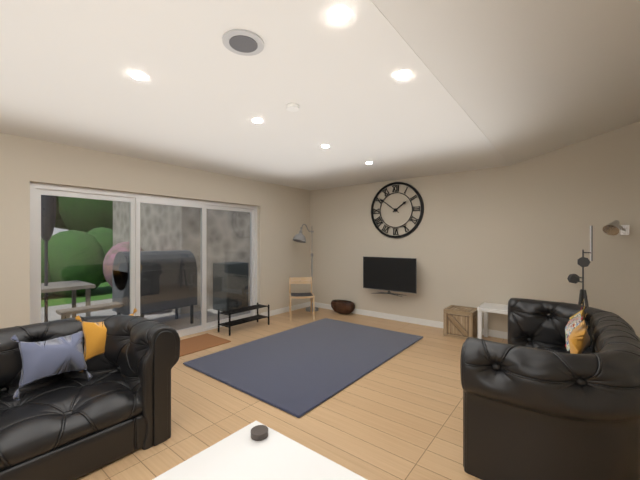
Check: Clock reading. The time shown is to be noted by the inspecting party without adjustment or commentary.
1:51
